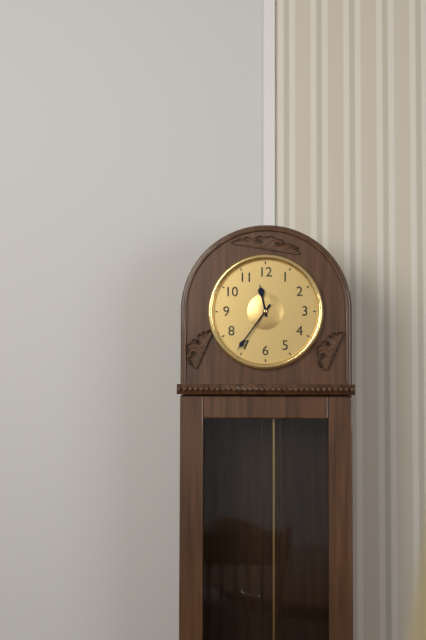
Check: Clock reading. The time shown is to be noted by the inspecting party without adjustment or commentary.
11:36
